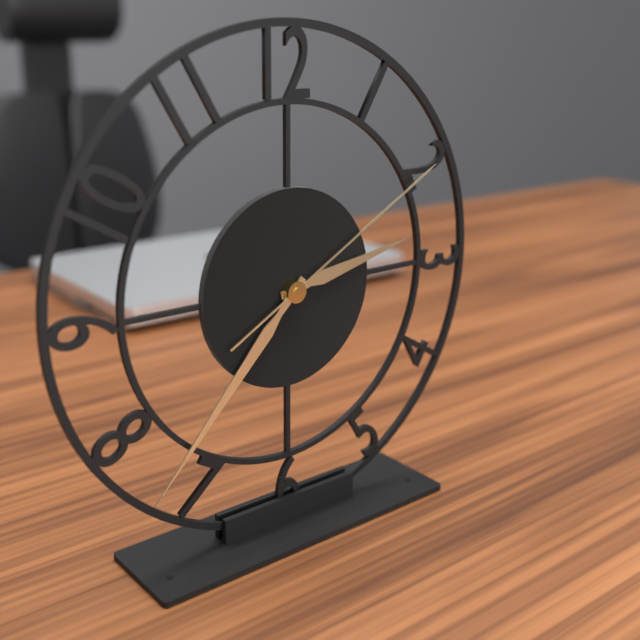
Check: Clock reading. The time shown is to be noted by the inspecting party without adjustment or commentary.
2:37:10
